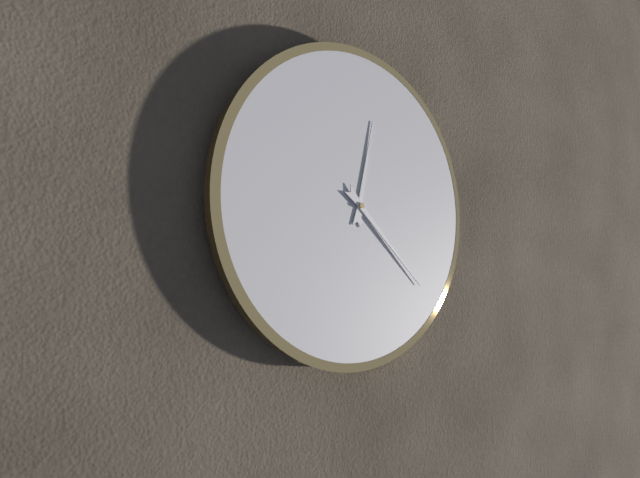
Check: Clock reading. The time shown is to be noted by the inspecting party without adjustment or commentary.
12:22
